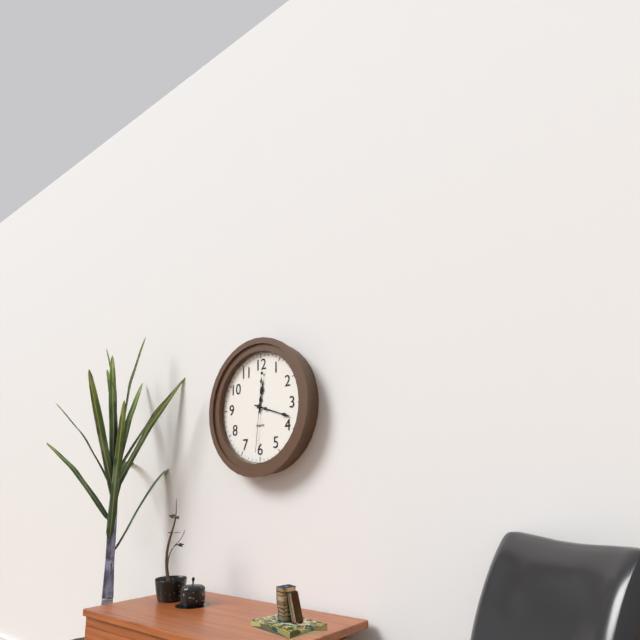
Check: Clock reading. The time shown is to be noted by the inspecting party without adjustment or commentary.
12:18:31
